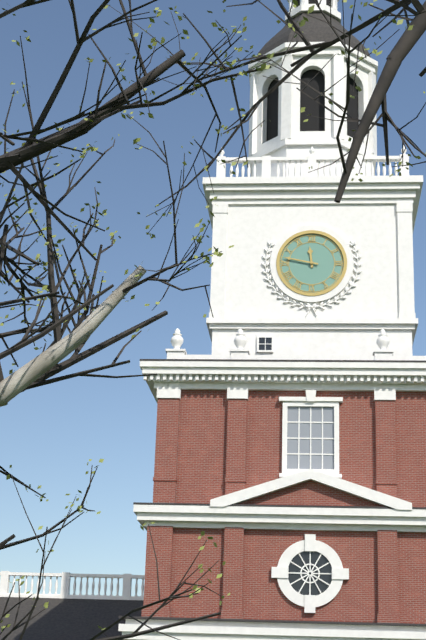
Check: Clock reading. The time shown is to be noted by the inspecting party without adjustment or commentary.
11:47
